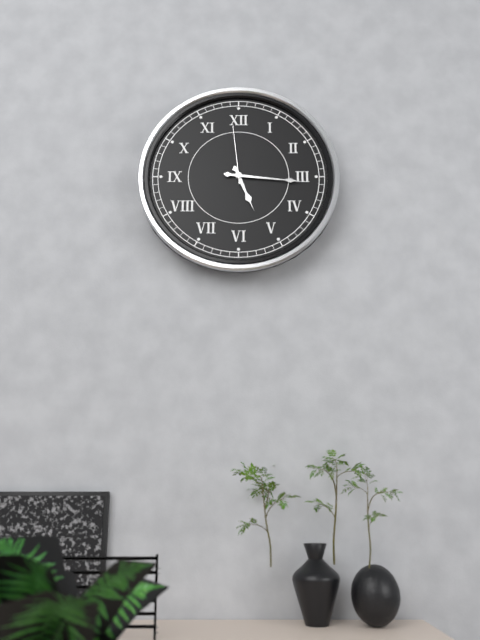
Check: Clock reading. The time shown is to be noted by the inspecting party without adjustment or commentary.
5:16:59
